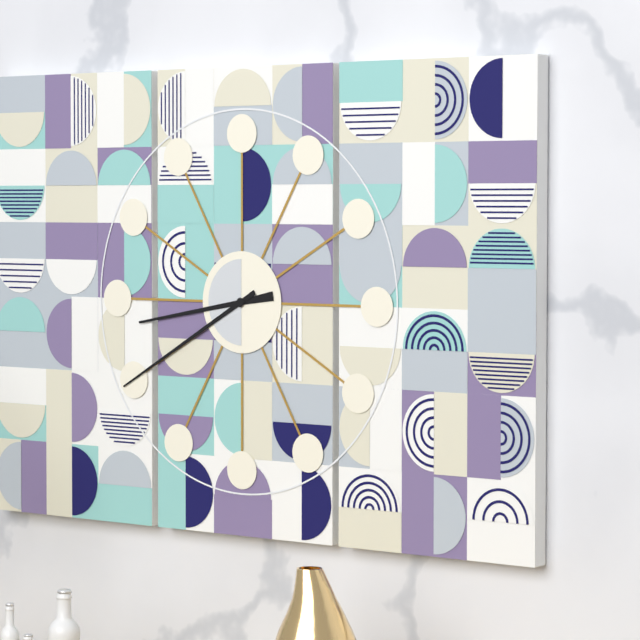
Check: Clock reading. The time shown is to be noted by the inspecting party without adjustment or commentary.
8:40
